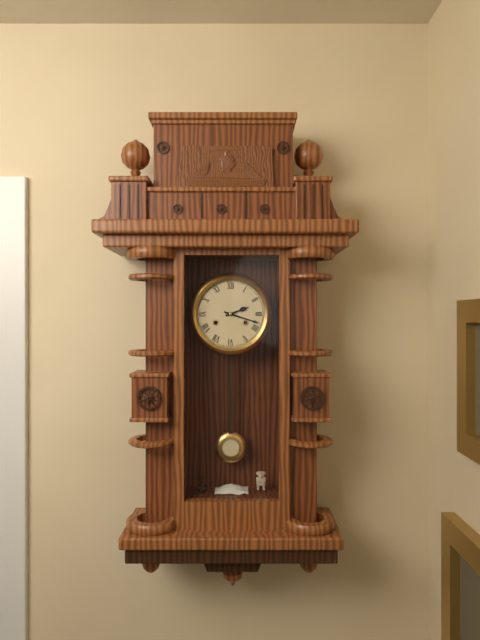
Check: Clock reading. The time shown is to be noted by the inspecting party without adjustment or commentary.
2:18
